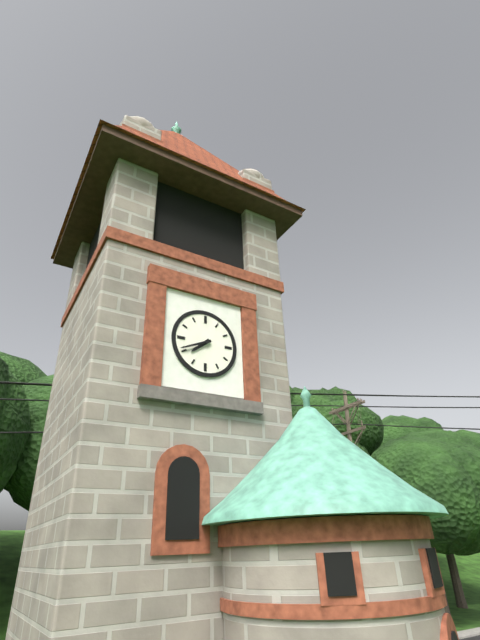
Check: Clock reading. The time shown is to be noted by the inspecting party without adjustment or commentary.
7:41
